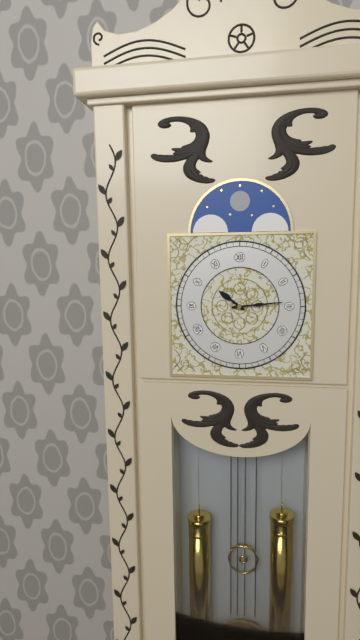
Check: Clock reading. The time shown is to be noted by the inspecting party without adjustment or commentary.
10:14
